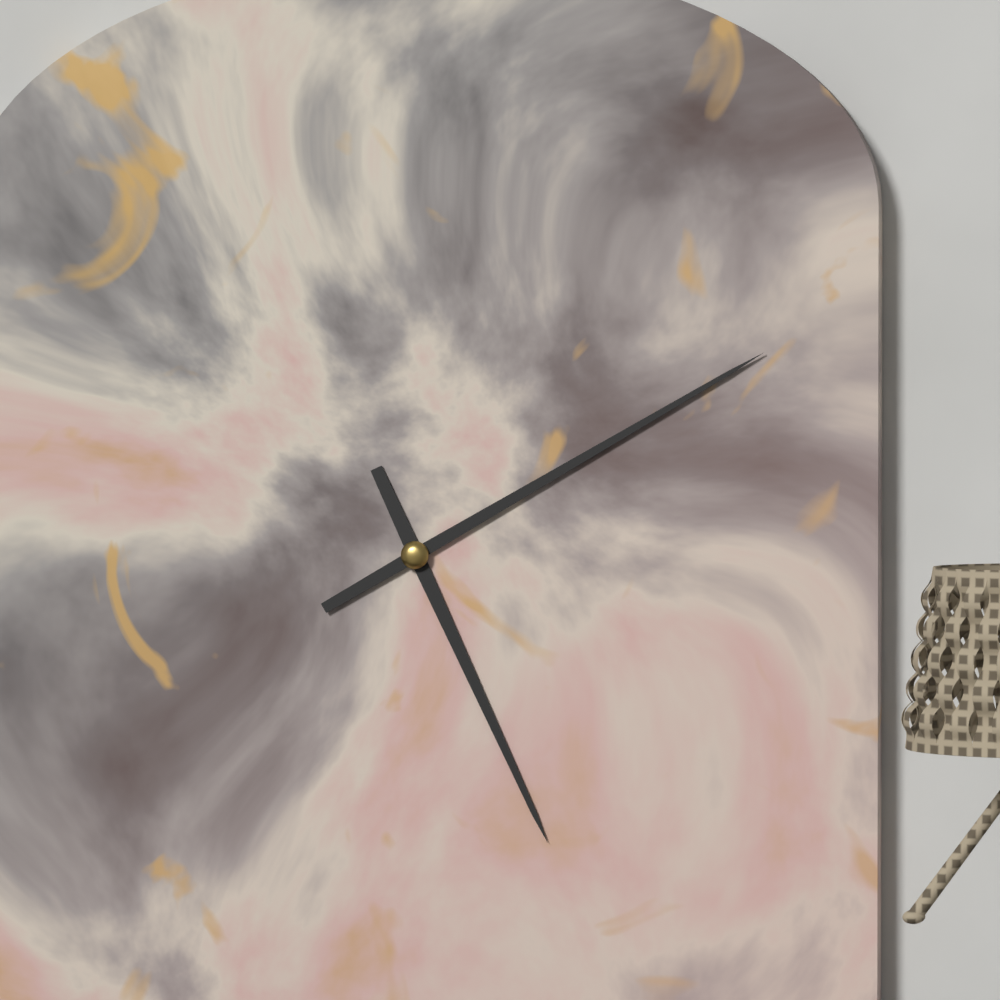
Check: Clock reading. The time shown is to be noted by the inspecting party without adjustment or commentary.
5:10
